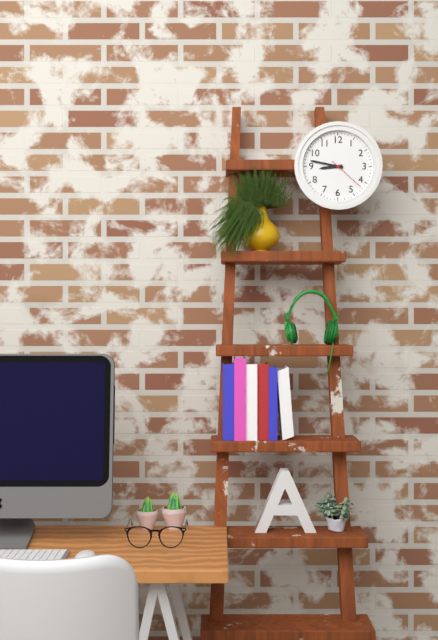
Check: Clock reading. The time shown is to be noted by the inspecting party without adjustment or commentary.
8:47
